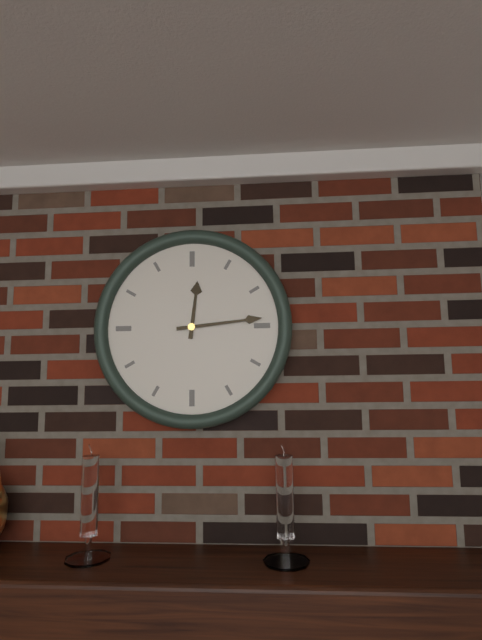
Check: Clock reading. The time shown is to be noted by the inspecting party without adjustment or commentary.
12:14
